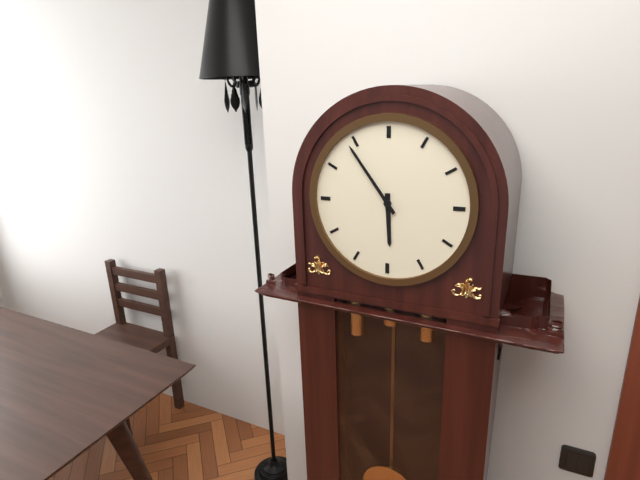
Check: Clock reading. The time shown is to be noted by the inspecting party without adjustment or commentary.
5:54
